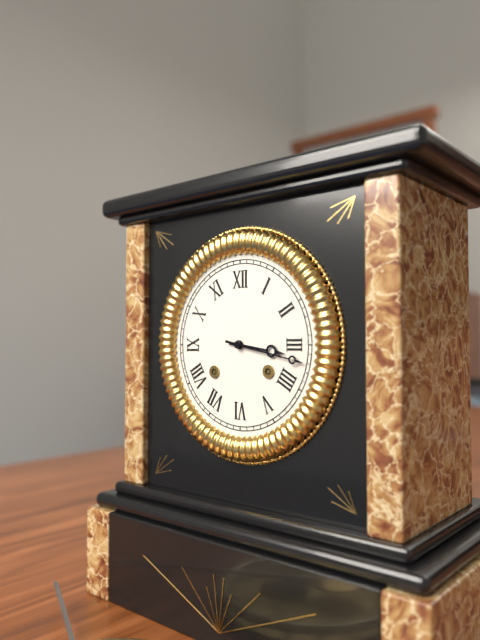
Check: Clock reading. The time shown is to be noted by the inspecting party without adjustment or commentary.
3:17
